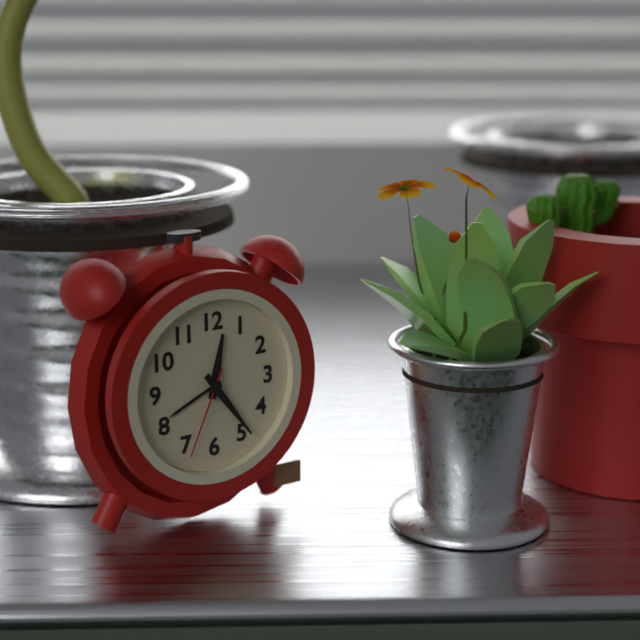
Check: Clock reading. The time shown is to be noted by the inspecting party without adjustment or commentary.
12:24:34
